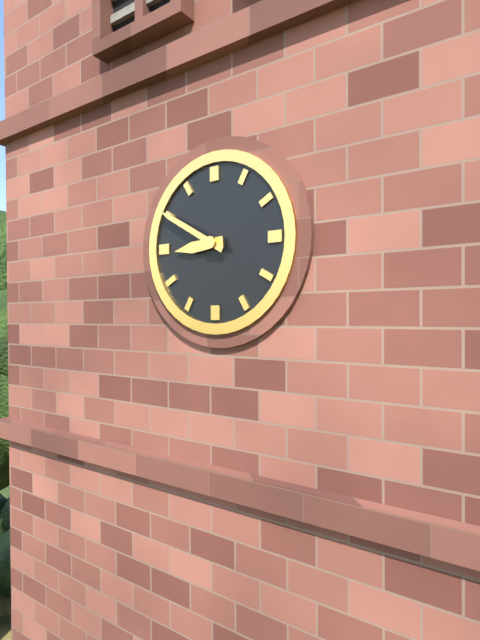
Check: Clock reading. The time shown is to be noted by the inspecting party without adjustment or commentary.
8:50
